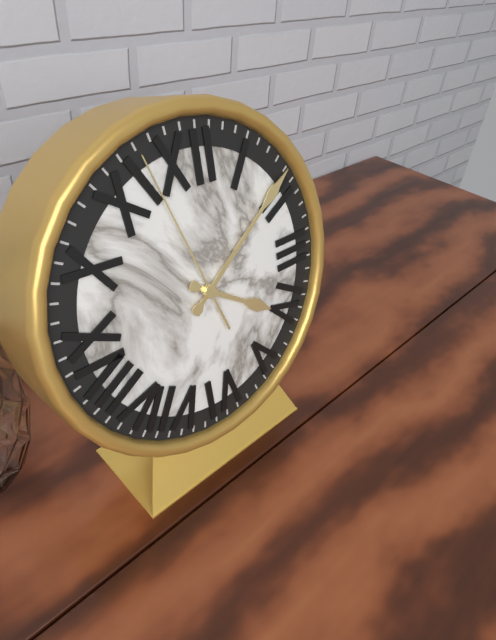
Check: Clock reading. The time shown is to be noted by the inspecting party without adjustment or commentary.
4:09:57
